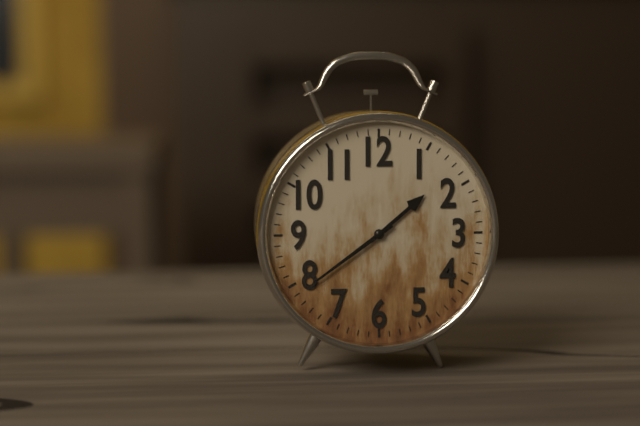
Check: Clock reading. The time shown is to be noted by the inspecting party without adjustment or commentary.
1:39
